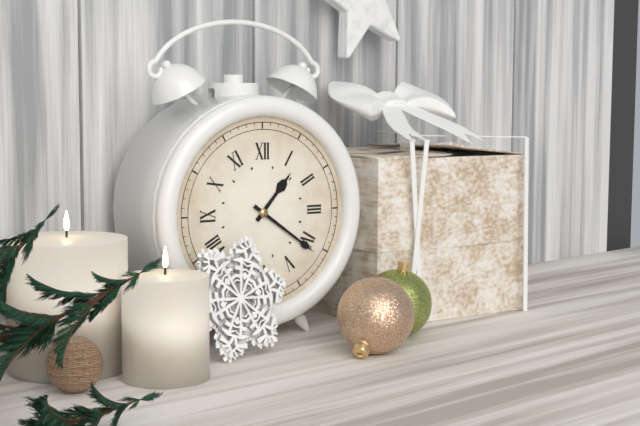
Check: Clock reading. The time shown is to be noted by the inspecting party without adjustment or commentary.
1:21
